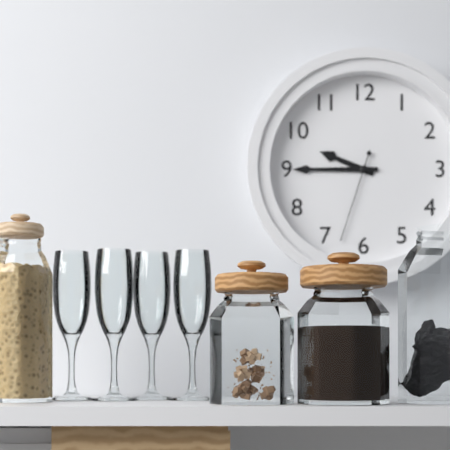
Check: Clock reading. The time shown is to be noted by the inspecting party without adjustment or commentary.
9:45:33
